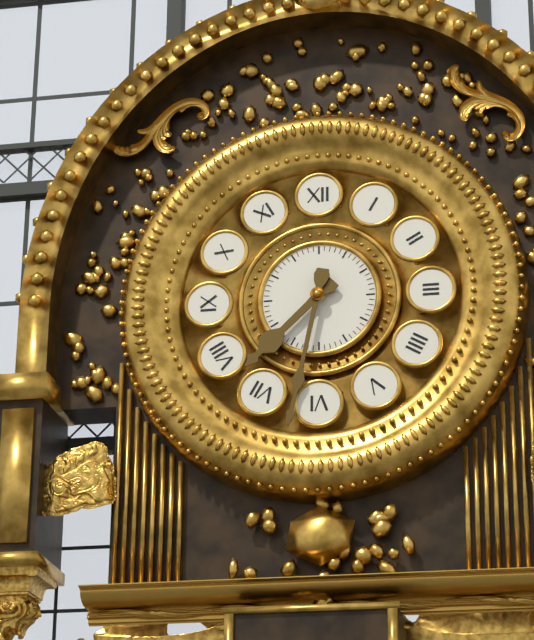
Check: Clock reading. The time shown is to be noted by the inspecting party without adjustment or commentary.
7:32
